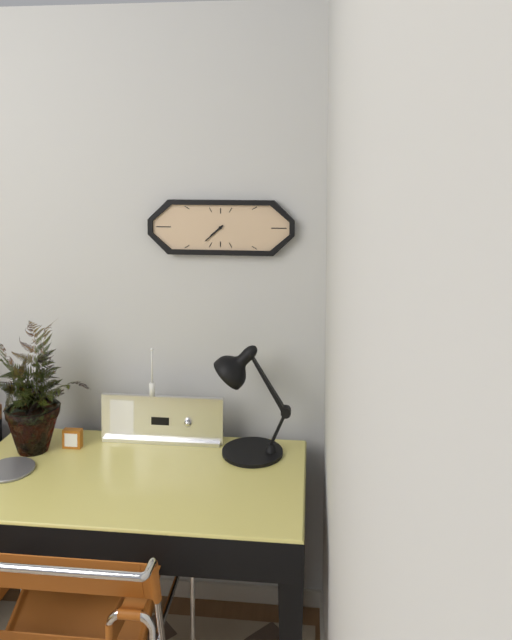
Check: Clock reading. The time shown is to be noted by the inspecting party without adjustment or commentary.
7:38
